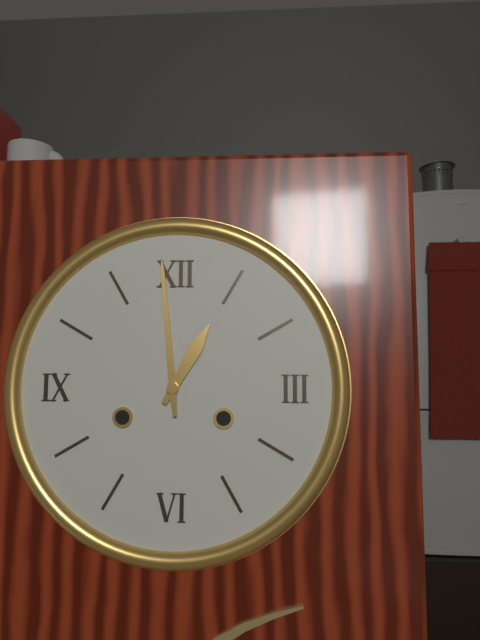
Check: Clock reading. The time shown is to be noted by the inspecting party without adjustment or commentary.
12:59
